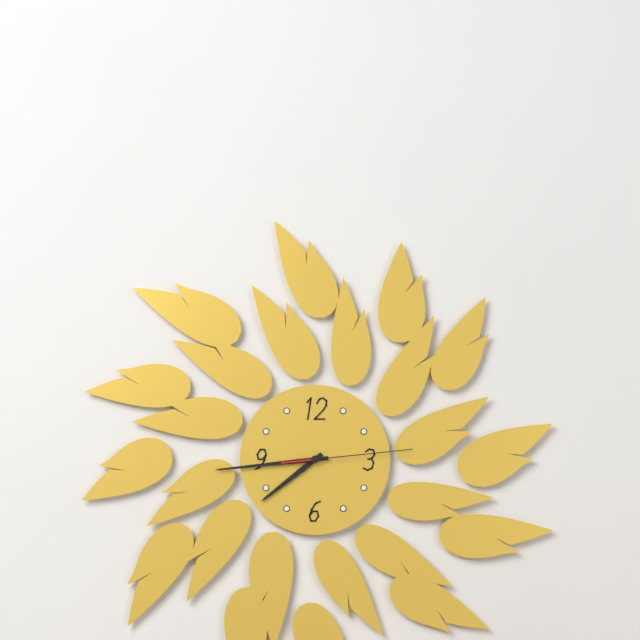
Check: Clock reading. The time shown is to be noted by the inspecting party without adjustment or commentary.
7:44:14
